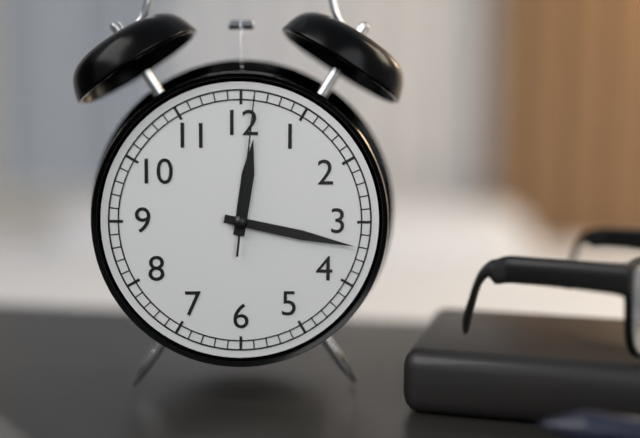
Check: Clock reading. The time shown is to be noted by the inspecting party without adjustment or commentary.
12:17:01
